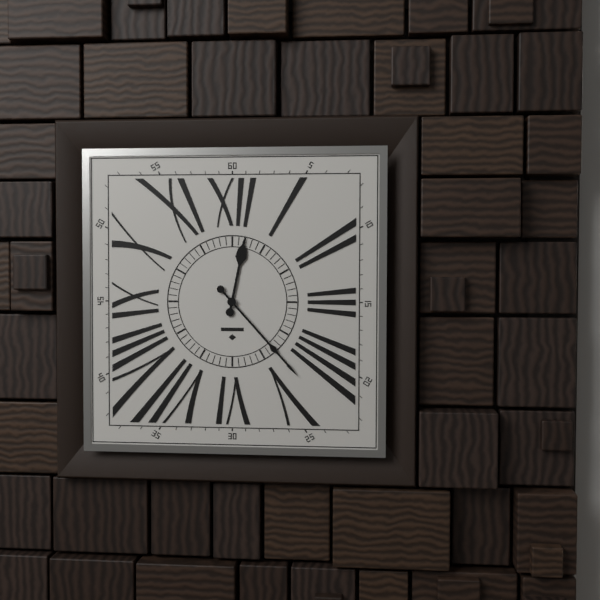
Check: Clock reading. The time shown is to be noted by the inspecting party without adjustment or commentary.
12:23
